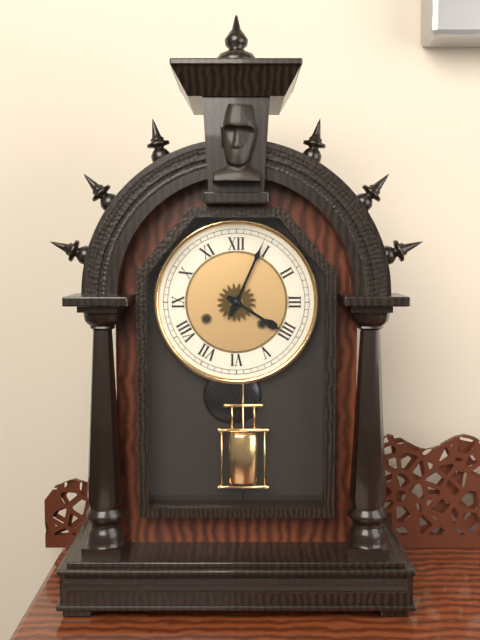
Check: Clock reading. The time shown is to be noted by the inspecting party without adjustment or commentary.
4:04
